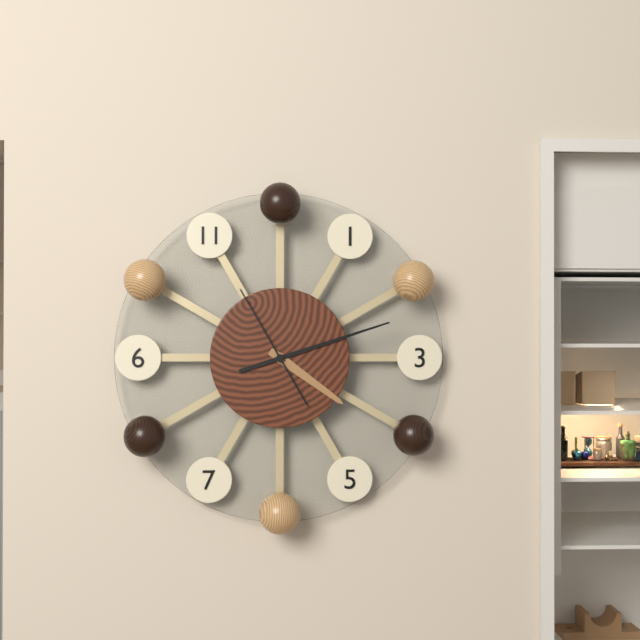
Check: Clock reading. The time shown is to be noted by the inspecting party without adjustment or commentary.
4:12:55
